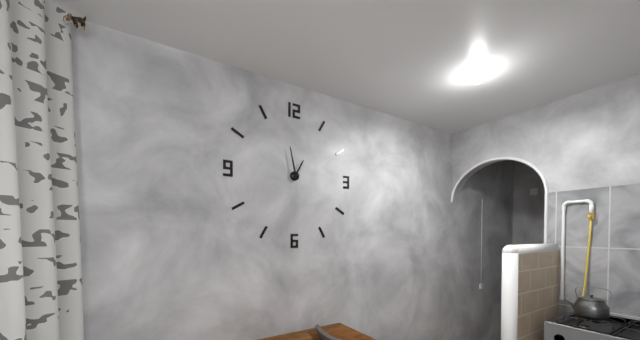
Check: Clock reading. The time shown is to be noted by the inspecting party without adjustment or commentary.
12:58
